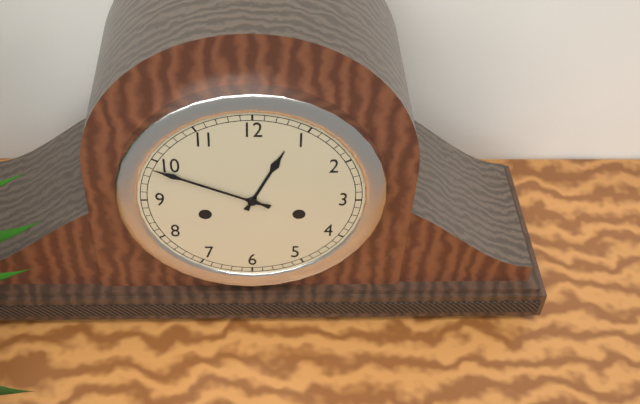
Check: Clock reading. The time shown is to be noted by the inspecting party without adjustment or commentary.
12:49
